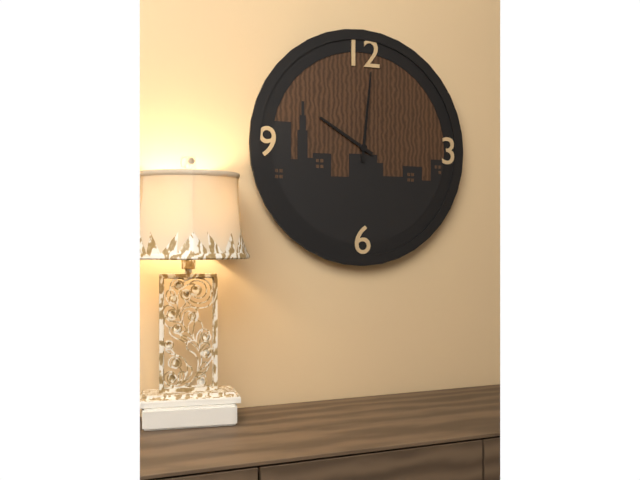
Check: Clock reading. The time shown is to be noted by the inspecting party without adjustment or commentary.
10:01
